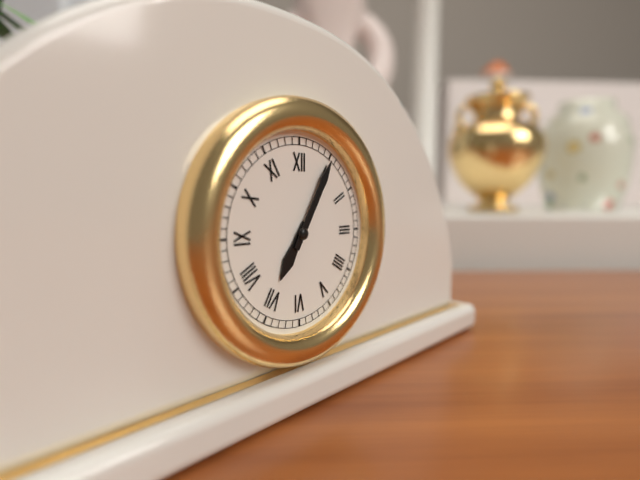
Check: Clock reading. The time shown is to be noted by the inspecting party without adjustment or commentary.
7:05
